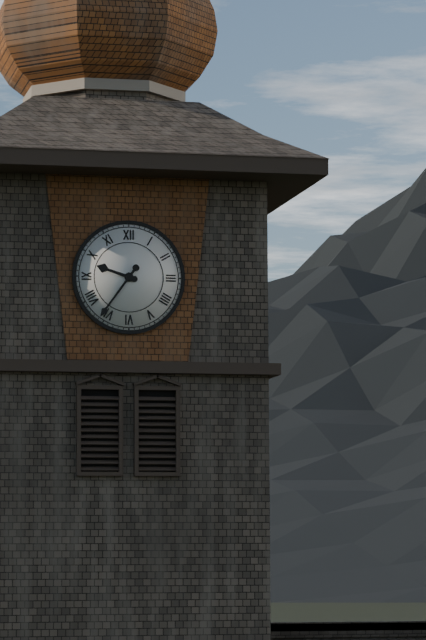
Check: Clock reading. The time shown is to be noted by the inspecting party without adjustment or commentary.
9:36
